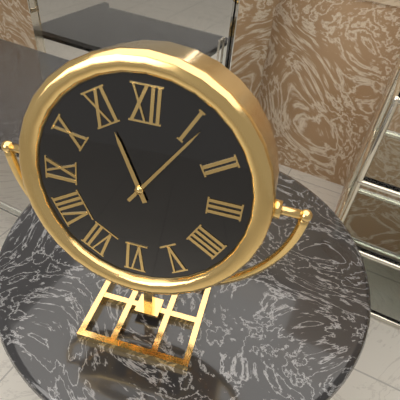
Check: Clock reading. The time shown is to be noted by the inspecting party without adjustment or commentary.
11:06
